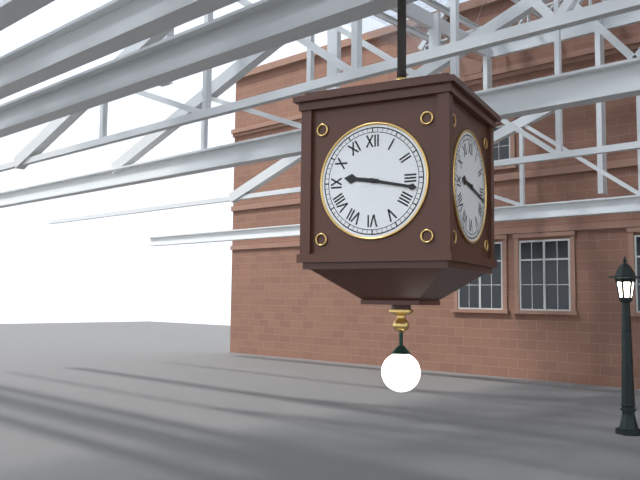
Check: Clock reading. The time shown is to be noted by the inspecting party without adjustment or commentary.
9:17
